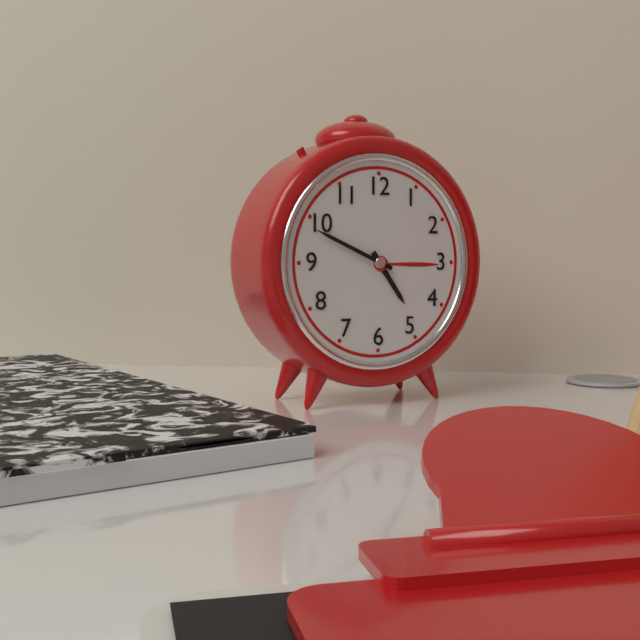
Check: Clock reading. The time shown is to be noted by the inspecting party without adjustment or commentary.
4:49
